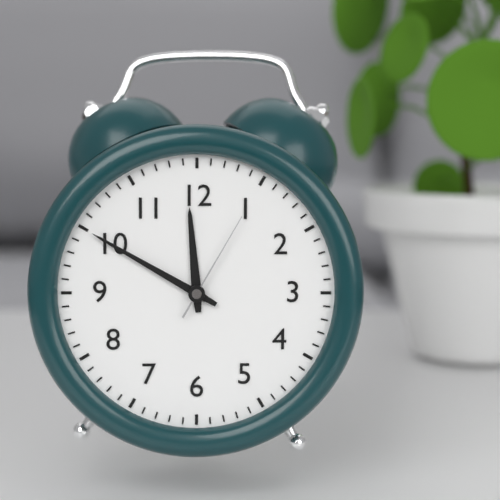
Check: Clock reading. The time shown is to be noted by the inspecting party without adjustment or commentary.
11:50:05
